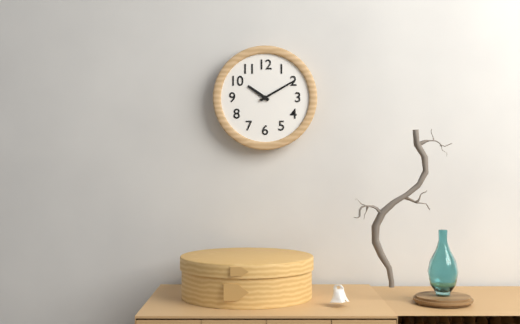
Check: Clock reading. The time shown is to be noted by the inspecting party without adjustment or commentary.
10:10
